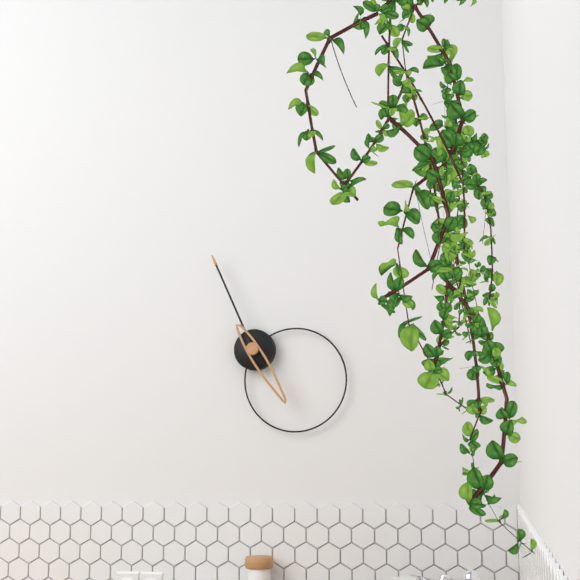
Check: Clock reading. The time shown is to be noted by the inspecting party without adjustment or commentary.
4:56
